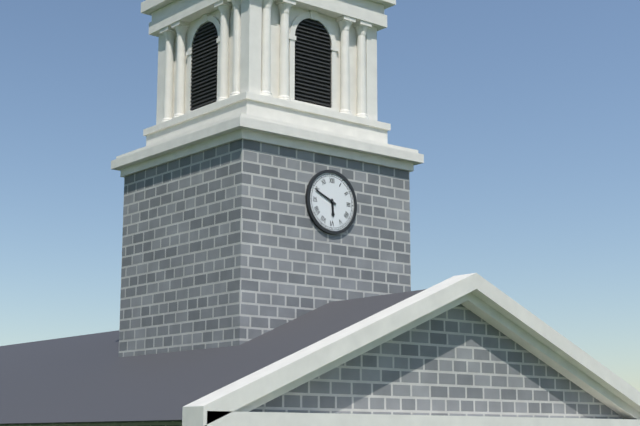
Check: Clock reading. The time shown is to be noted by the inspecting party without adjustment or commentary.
5:49
